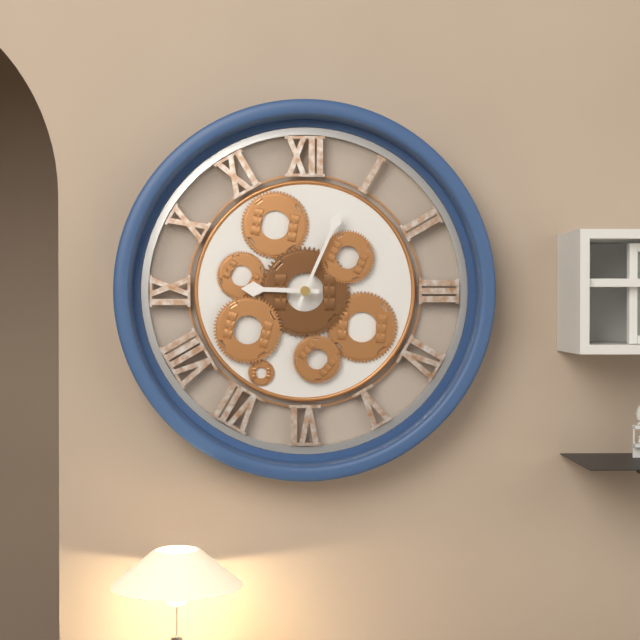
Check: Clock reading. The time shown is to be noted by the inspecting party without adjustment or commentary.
9:04
